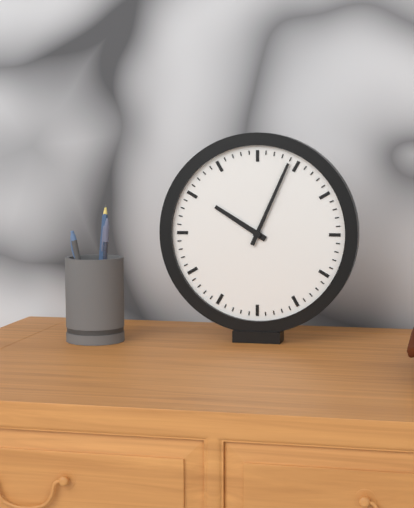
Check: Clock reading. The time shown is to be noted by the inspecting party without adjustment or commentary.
10:04
